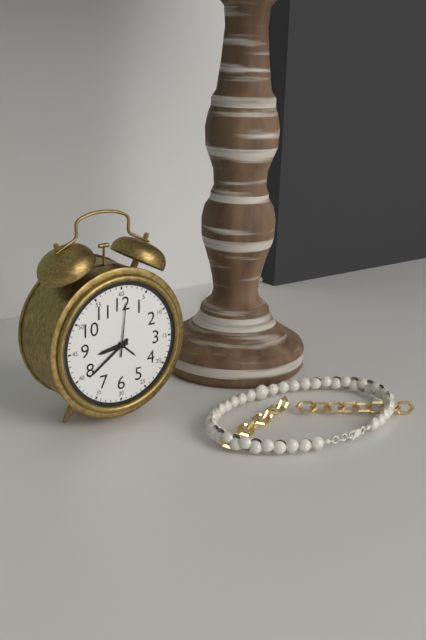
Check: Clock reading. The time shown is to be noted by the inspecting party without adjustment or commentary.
8:39:01
